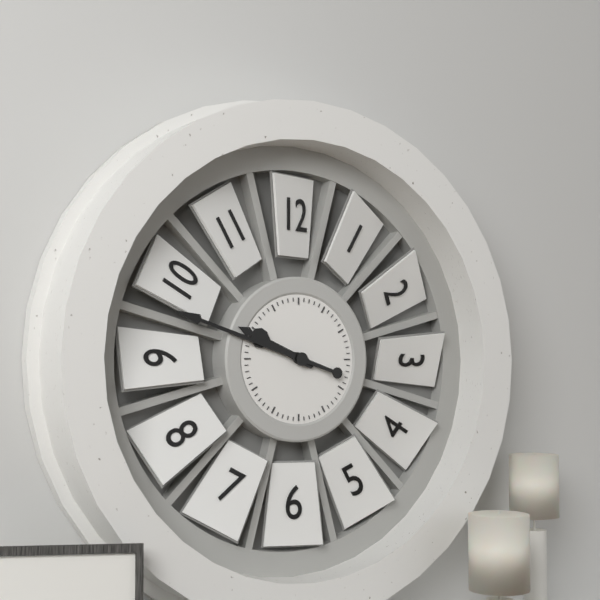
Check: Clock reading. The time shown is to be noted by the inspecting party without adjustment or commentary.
9:48
